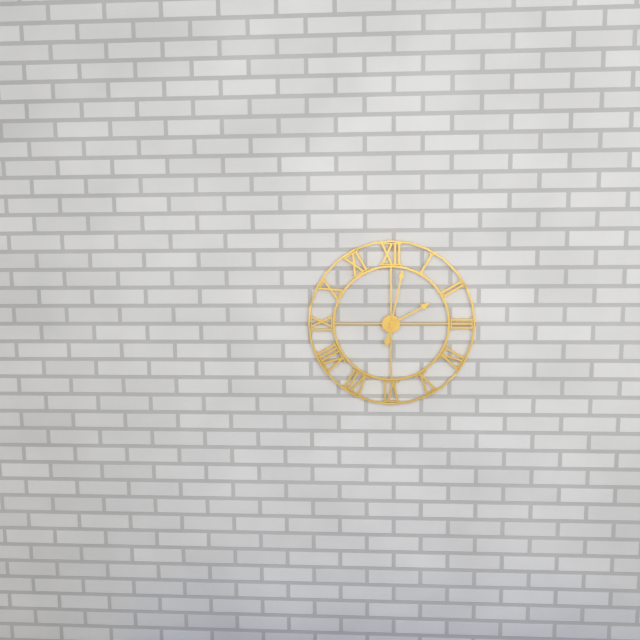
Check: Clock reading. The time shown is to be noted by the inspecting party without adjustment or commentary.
2:02
